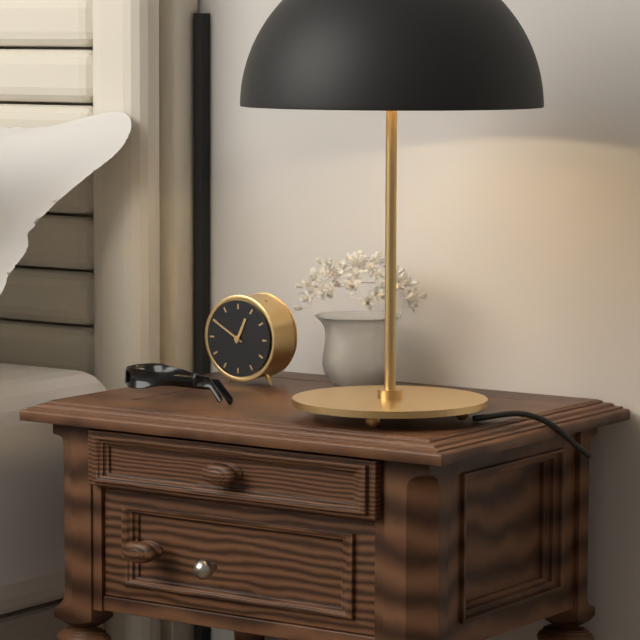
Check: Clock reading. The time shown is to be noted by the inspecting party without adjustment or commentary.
12:50
